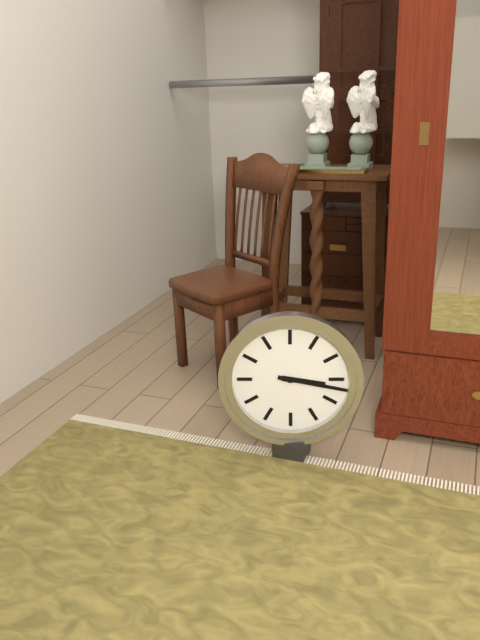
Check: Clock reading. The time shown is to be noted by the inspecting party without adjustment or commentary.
3:17
